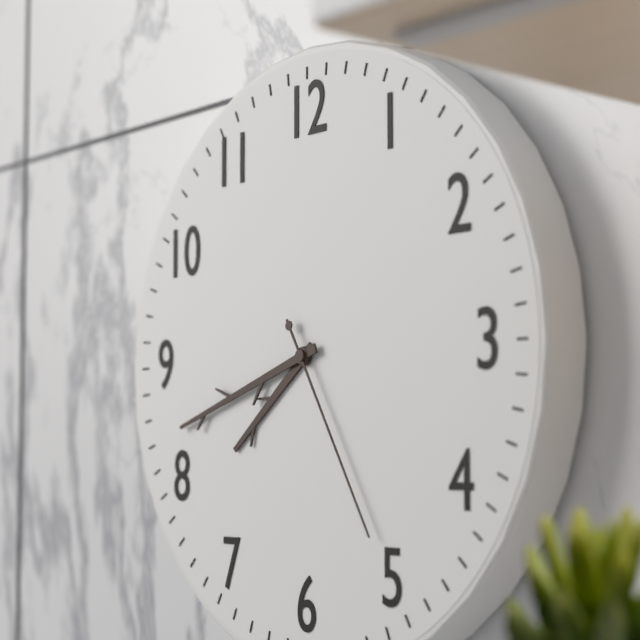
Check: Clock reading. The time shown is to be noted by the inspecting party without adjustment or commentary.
7:42:25
